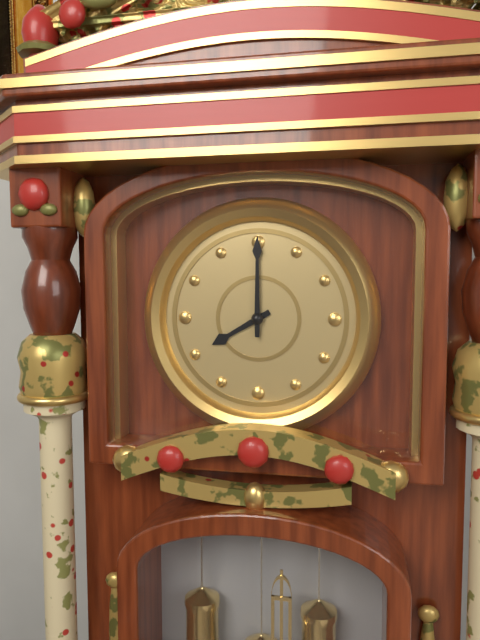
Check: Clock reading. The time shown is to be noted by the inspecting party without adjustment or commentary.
8:00
